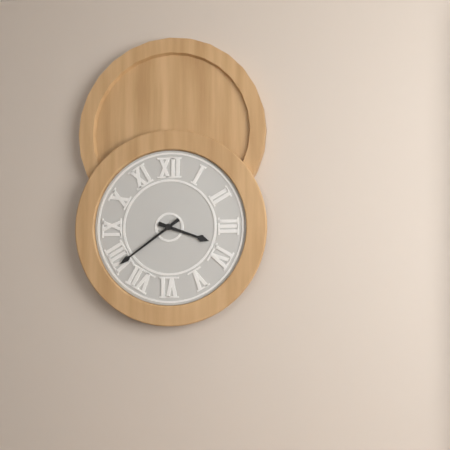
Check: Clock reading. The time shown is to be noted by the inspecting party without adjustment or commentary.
3:39
